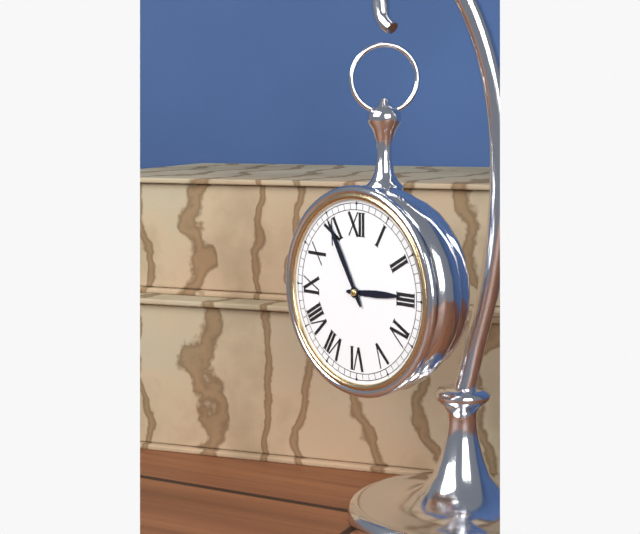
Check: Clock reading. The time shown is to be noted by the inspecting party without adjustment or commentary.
2:55
